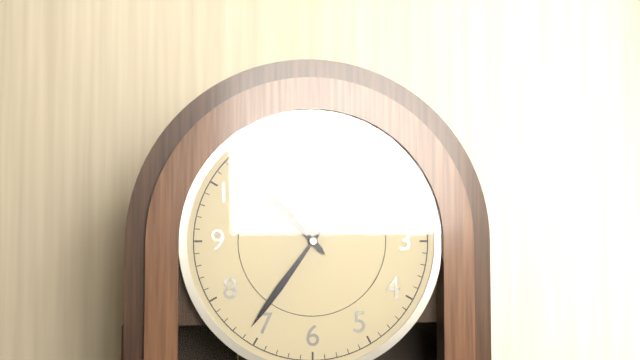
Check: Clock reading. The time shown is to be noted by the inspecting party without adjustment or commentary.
10:36
